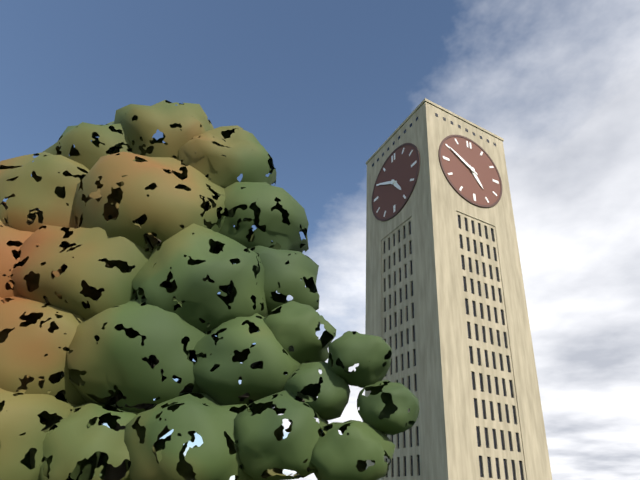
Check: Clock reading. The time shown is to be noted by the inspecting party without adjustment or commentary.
4:50
